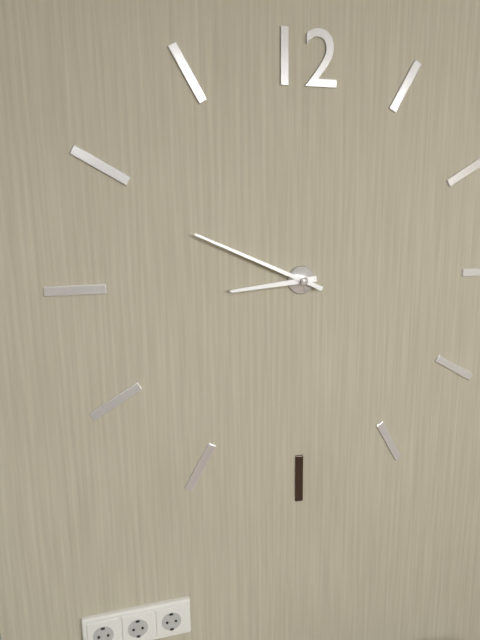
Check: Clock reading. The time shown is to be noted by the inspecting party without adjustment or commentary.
8:49
